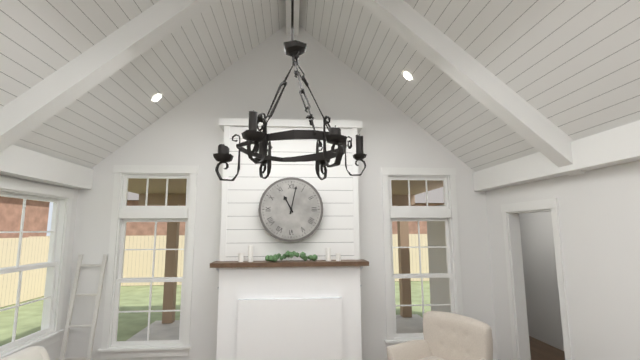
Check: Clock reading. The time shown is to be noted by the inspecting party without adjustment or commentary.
11:02
